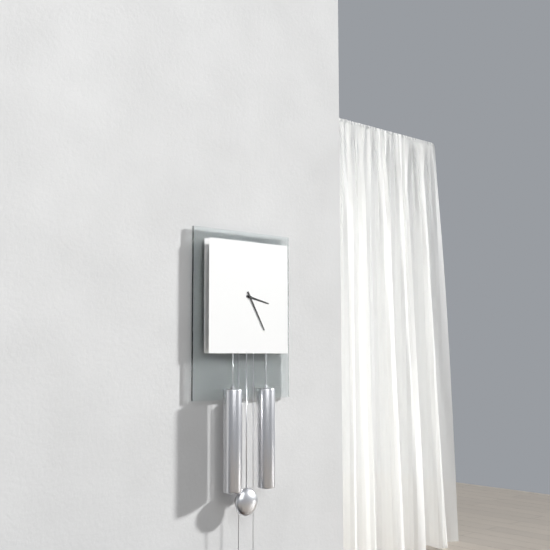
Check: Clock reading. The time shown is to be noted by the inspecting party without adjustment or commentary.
3:25
